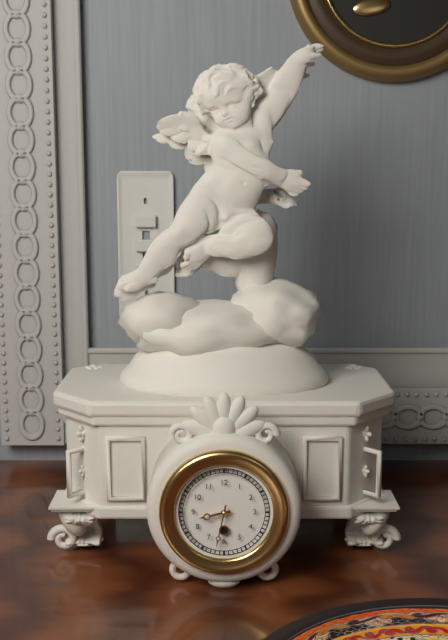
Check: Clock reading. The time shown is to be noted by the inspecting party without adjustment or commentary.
8:32
